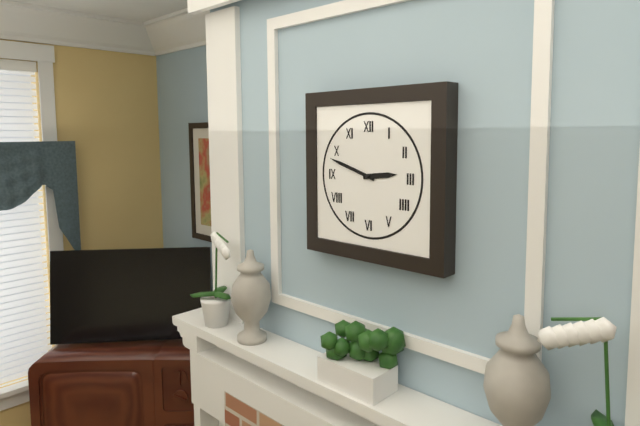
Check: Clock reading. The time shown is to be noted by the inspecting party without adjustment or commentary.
2:48
